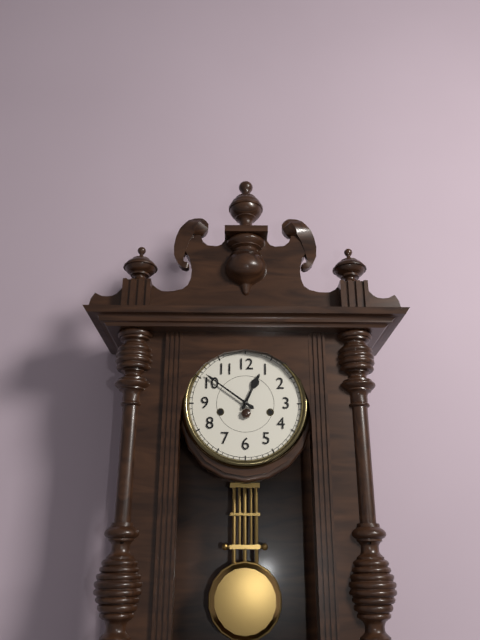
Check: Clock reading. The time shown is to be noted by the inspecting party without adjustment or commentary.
12:51
